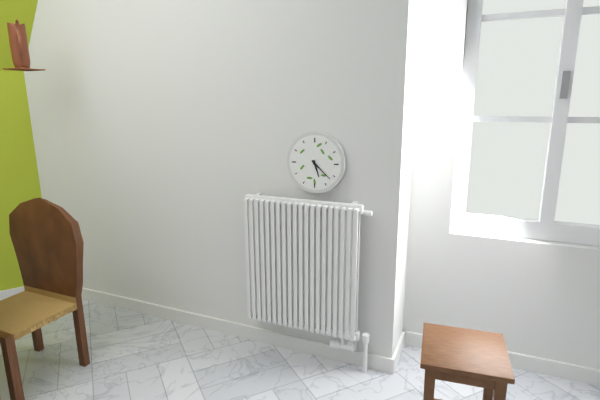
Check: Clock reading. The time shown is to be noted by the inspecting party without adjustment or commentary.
5:22
